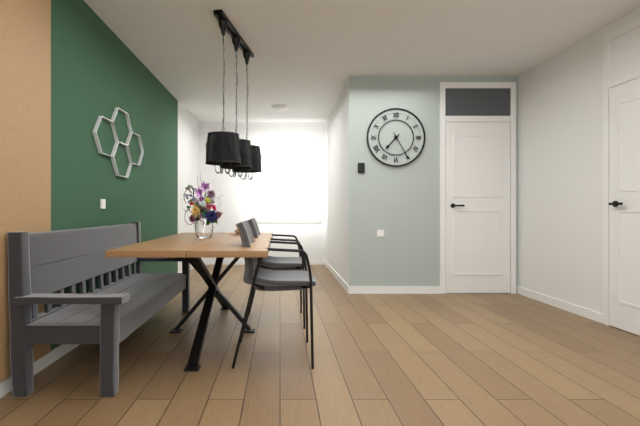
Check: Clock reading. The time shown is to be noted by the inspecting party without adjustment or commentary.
7:25
